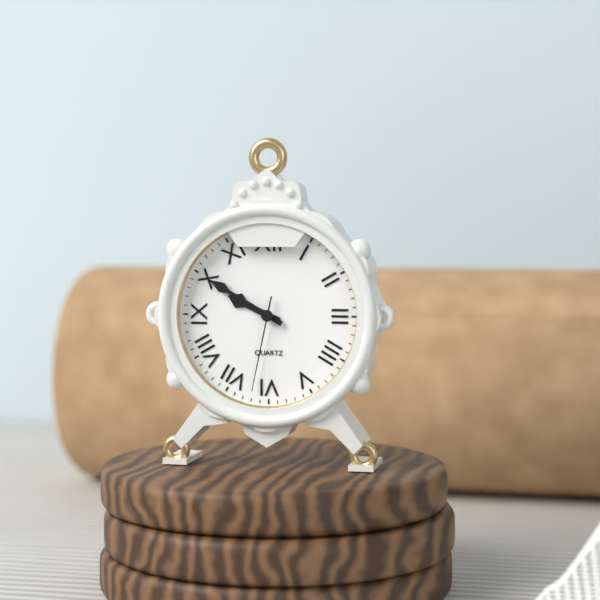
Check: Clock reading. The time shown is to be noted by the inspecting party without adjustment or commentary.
9:50:32
